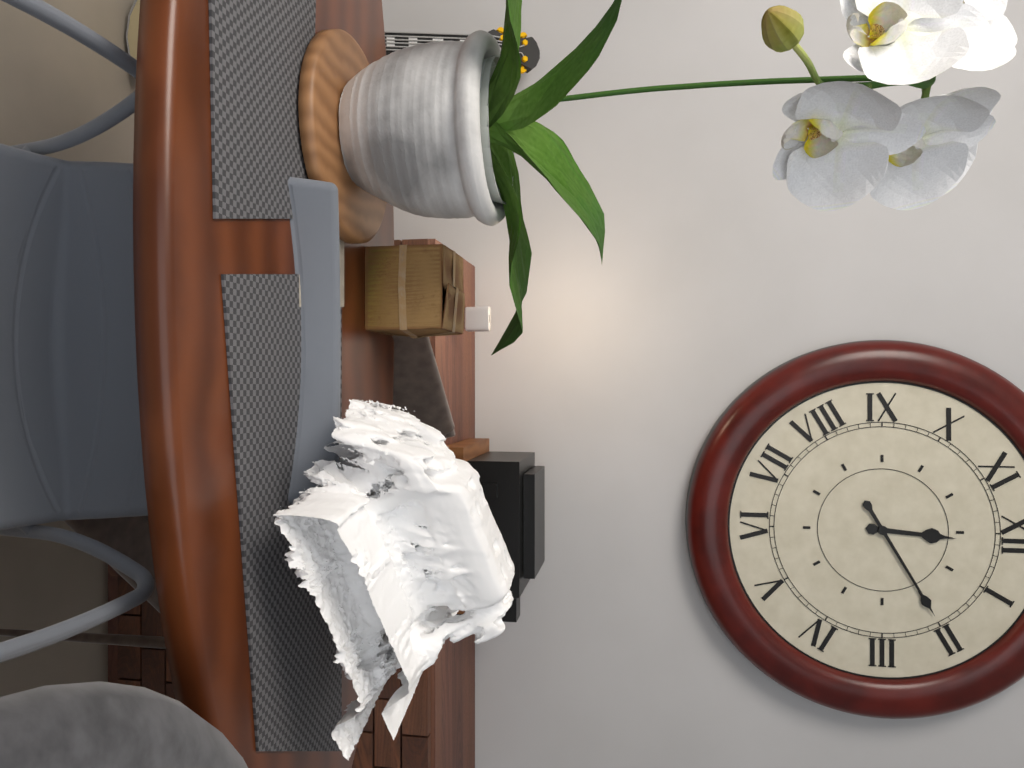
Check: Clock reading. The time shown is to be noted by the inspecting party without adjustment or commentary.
12:10
